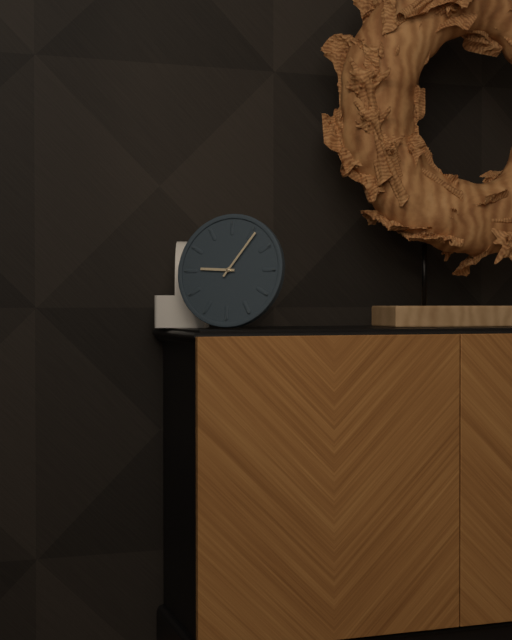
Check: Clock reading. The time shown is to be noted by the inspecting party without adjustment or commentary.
9:06
